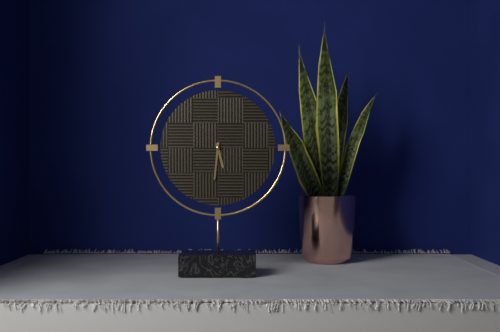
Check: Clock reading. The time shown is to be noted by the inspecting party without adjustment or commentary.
5:31
